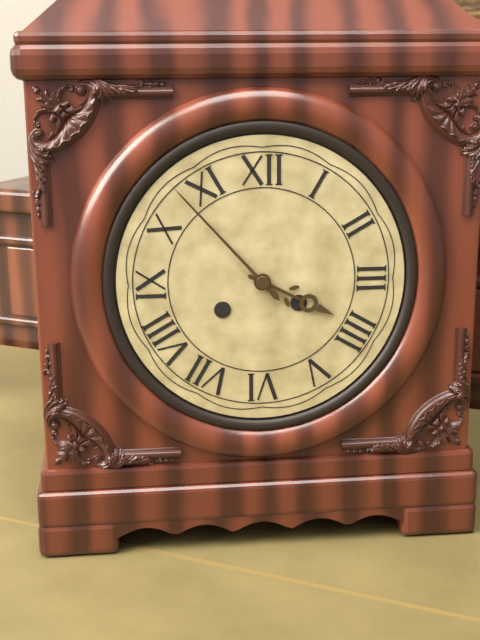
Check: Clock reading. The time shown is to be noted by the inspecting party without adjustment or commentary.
3:53
